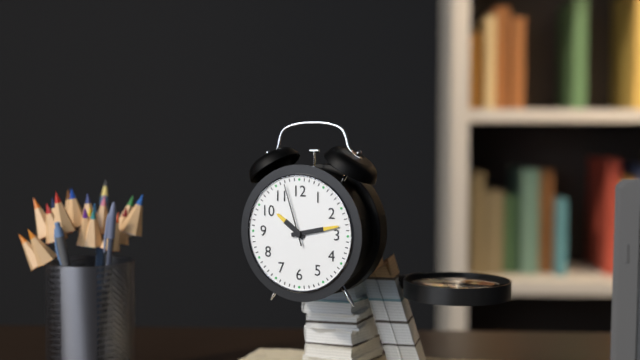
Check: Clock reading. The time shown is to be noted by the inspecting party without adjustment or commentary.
10:13:57
